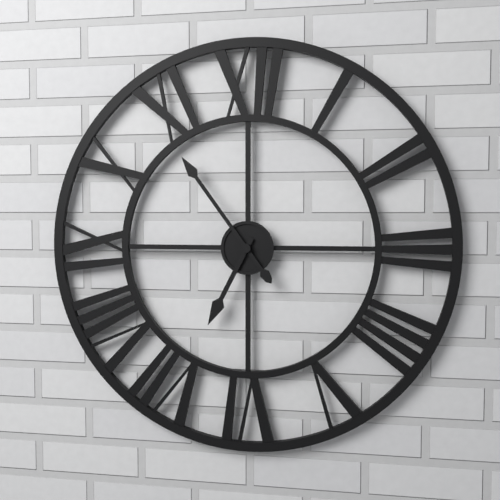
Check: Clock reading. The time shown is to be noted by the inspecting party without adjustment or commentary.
6:54
